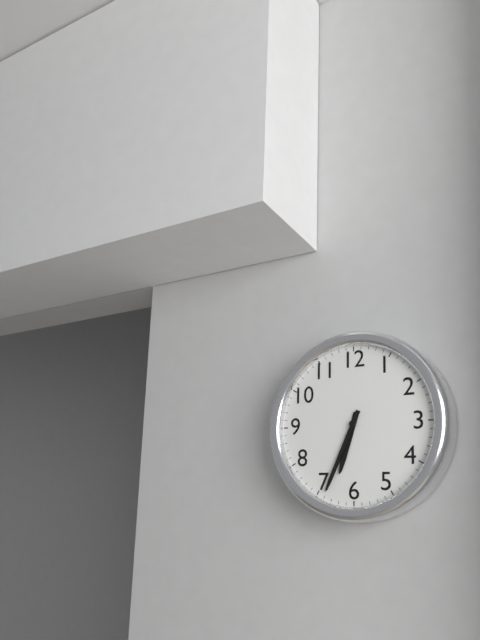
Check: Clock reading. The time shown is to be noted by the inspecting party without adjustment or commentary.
6:34
